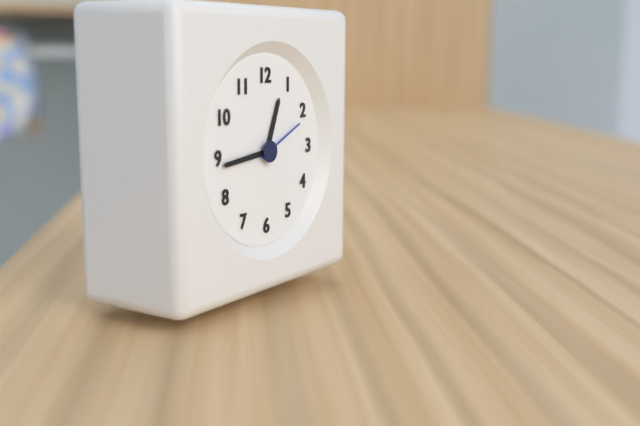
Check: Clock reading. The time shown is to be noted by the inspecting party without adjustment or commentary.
12:44:11
